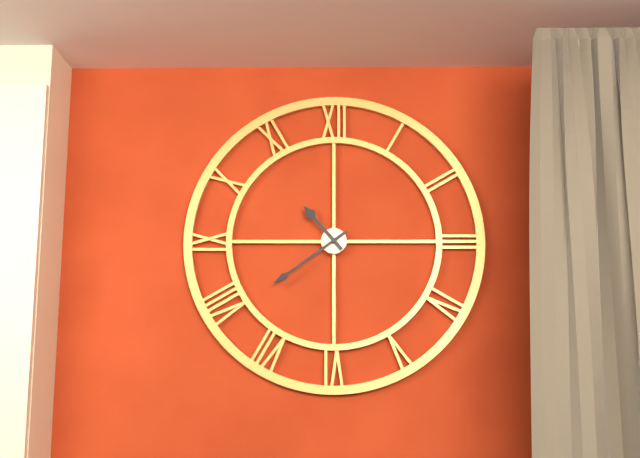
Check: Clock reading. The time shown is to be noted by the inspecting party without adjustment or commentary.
10:39
